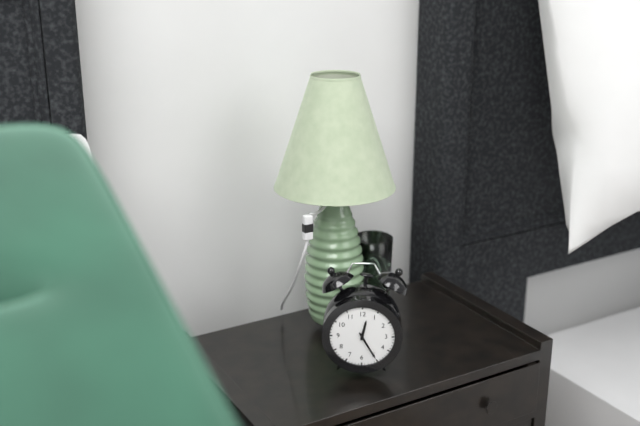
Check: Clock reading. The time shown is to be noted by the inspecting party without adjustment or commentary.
12:25
